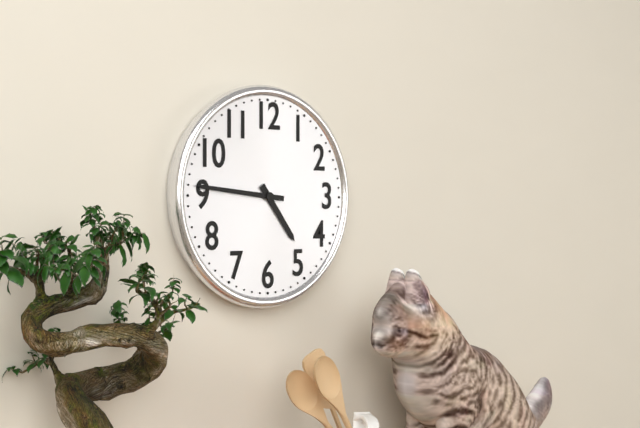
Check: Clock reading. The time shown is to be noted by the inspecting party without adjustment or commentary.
4:46
